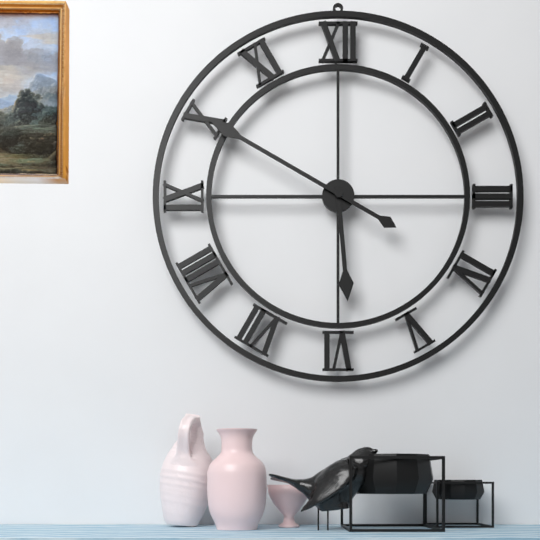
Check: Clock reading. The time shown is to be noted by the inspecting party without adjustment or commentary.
5:50
